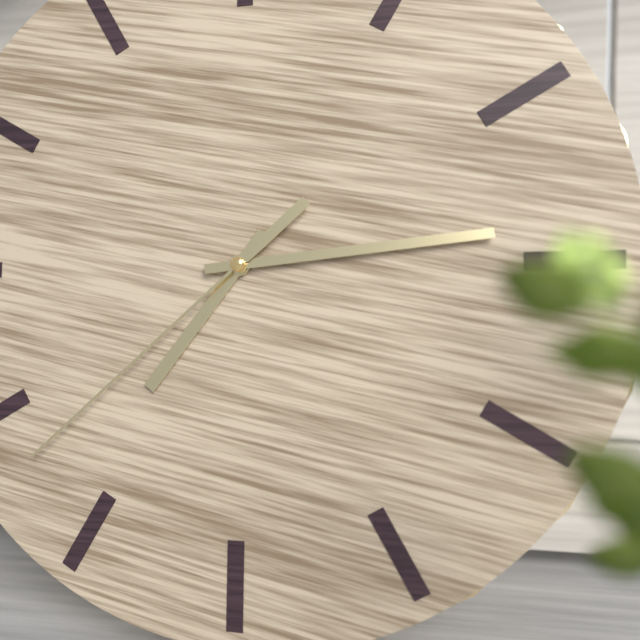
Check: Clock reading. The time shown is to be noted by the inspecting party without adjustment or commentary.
7:14:38
